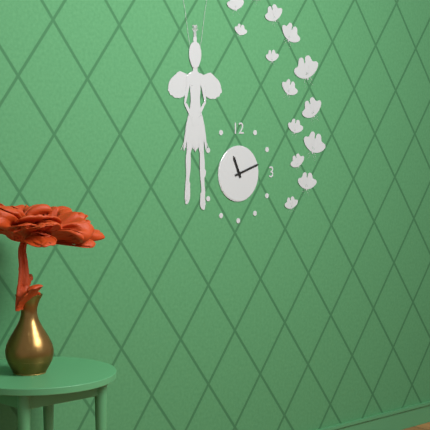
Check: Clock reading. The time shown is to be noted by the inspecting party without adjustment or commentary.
11:12
